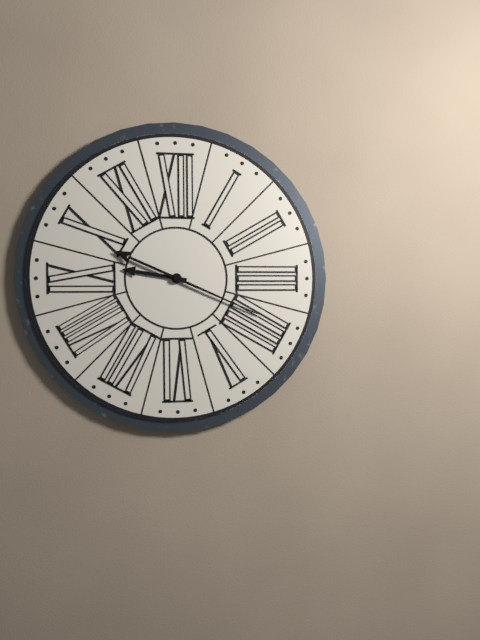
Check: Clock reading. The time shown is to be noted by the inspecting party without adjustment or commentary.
9:19
